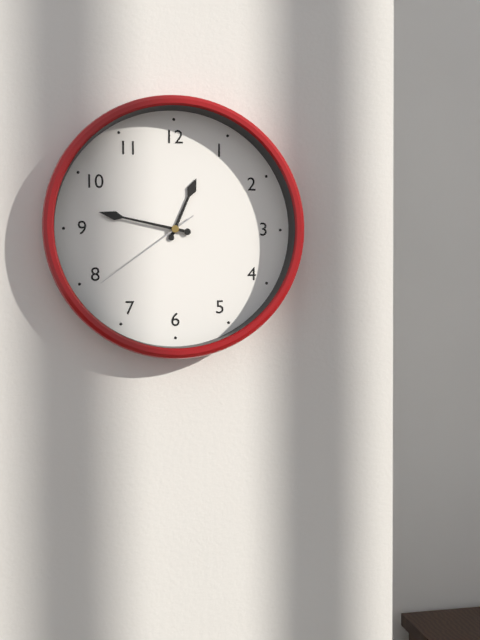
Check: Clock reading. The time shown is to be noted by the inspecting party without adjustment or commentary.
12:47:39
